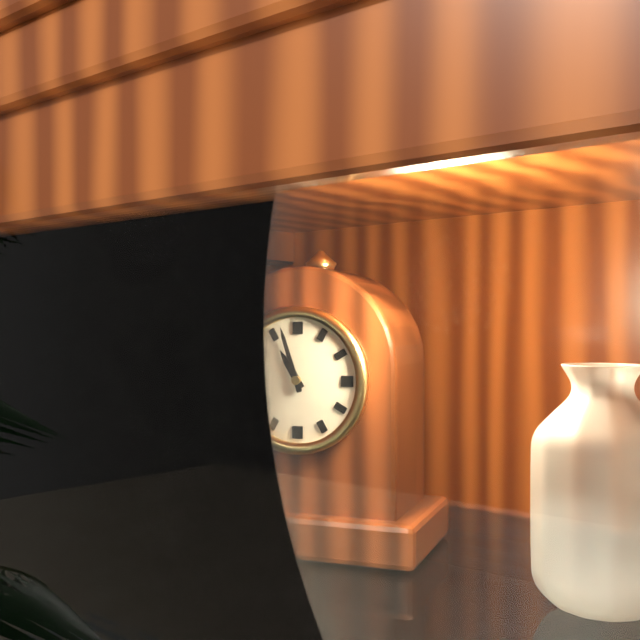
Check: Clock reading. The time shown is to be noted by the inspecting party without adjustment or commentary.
10:57
